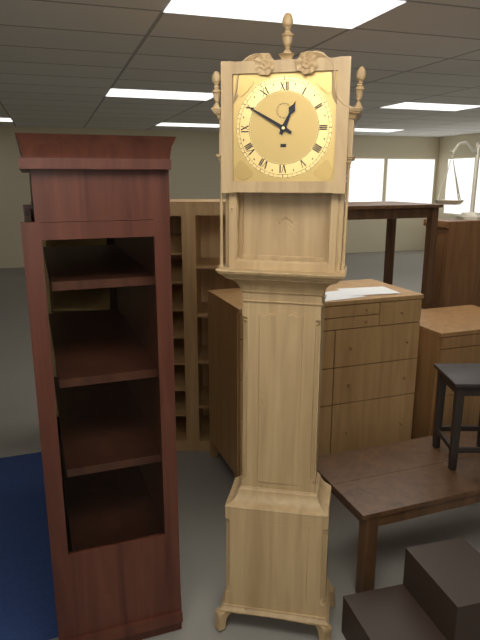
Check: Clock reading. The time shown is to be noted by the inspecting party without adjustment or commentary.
12:50
